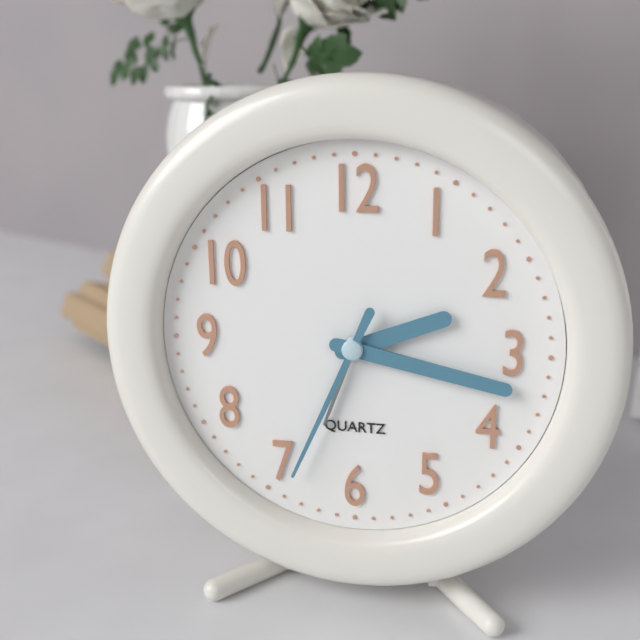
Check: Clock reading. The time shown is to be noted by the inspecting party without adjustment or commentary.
2:17:34
